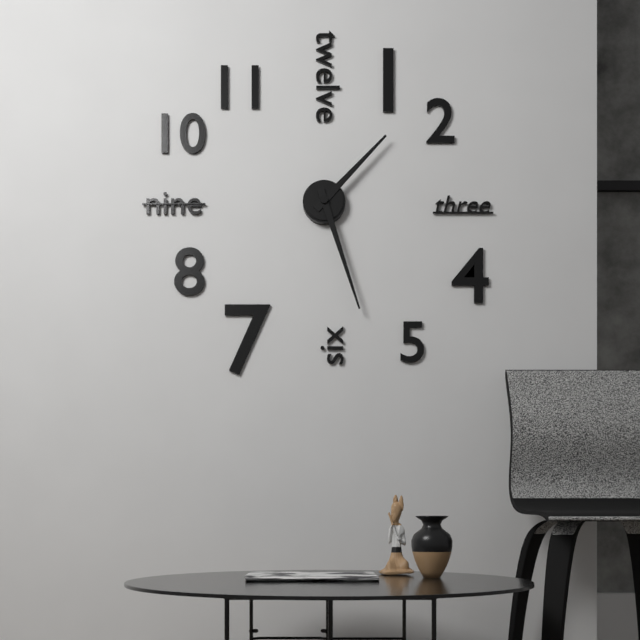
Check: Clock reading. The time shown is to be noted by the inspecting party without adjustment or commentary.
1:27
